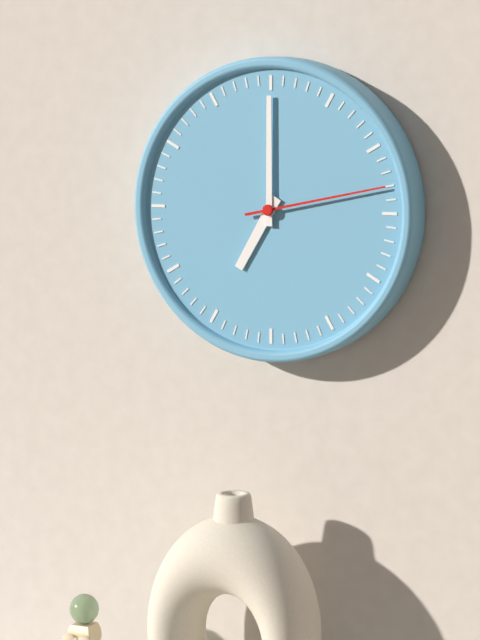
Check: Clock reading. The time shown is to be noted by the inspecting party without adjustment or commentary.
7:00:13
